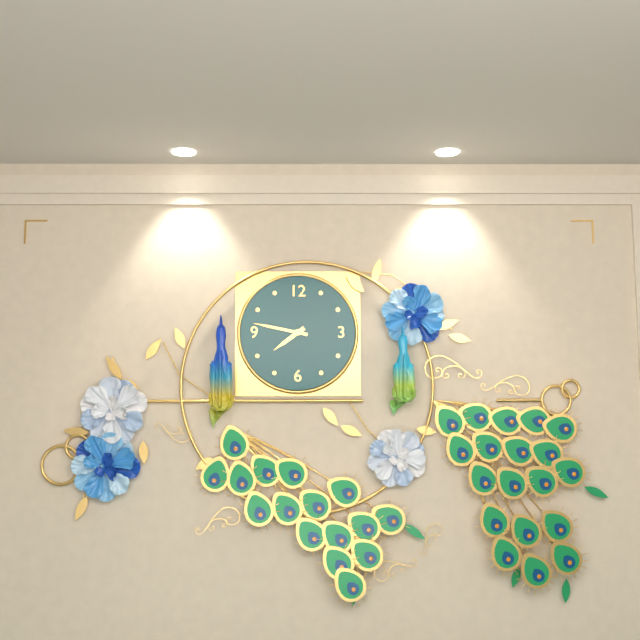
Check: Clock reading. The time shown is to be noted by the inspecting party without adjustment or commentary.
7:47
